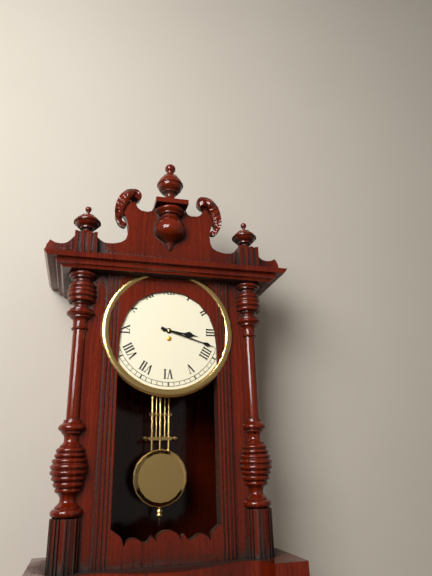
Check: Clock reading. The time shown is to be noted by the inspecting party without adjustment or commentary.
3:18
